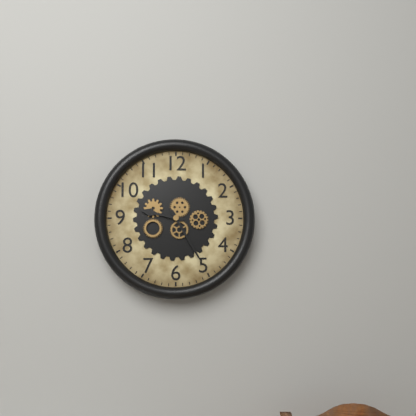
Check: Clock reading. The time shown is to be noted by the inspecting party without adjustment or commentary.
9:25
